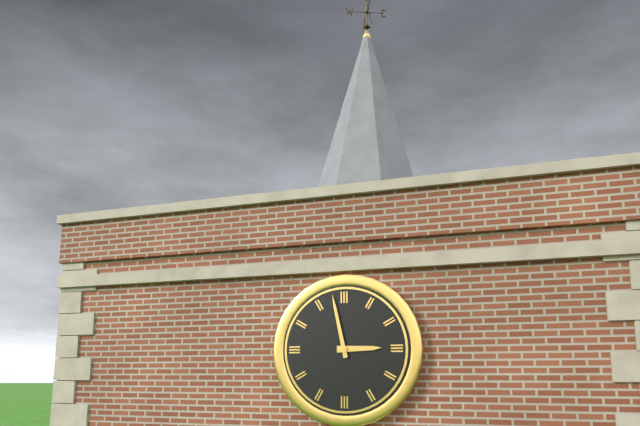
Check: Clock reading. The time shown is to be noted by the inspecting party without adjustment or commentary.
2:58
